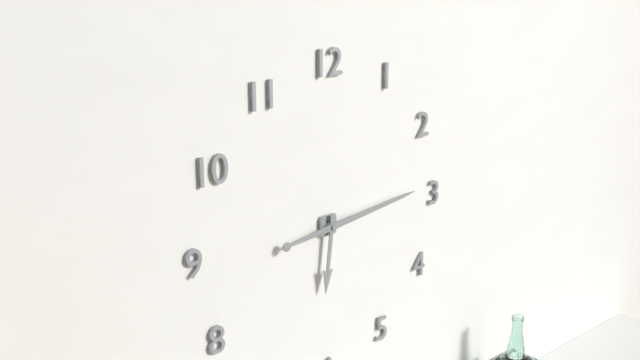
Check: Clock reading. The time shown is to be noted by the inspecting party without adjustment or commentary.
6:14
